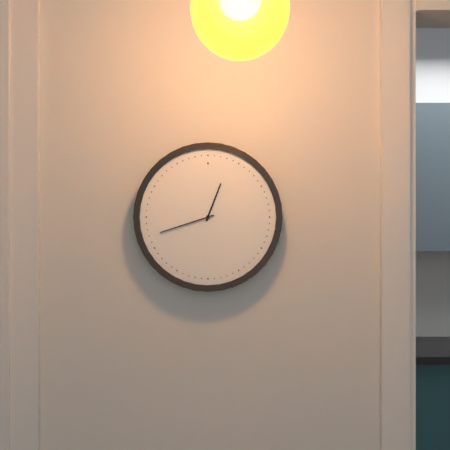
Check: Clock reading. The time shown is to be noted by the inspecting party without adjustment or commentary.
12:42
